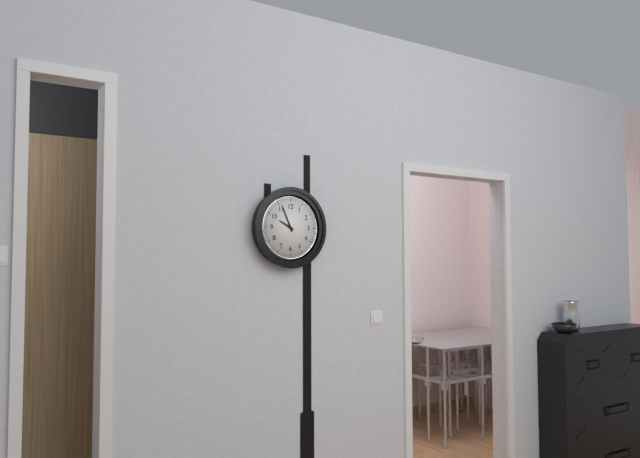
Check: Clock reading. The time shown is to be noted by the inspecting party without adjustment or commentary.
9:56
